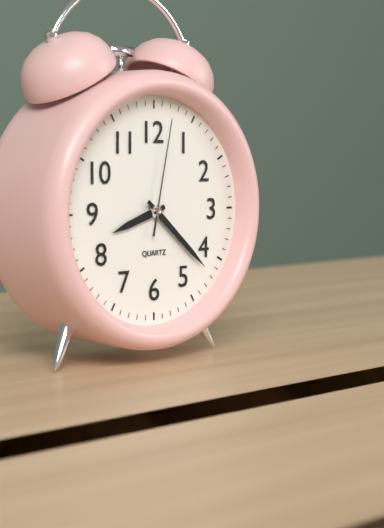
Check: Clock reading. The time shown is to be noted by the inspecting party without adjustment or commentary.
8:22:02
